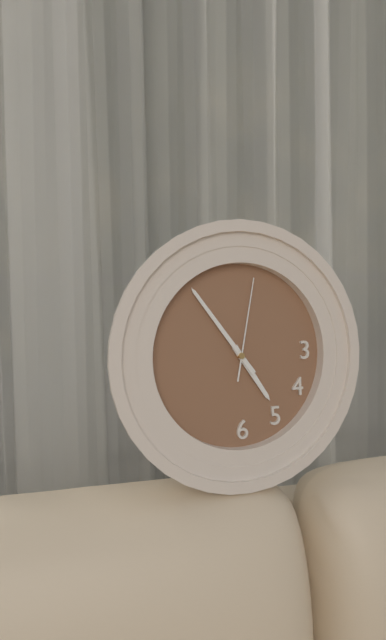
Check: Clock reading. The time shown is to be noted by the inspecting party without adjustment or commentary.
4:54:02
